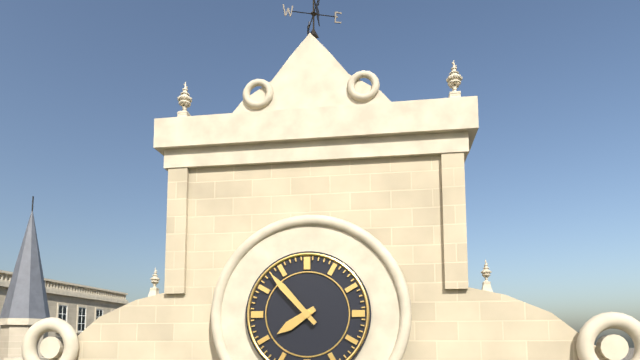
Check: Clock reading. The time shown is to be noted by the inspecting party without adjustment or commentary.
7:53
